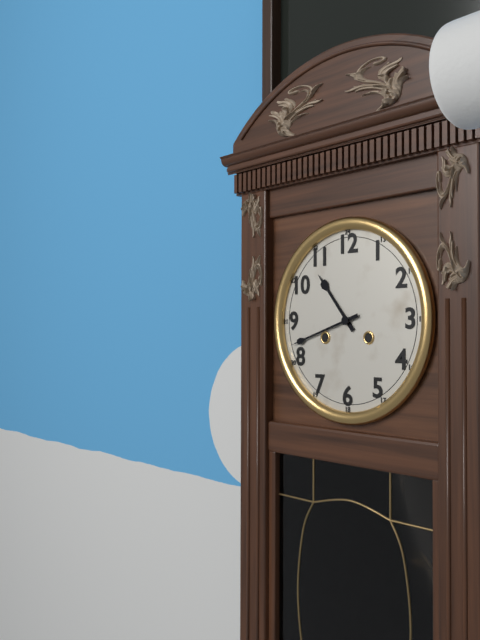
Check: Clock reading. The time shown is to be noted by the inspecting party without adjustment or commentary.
10:42
